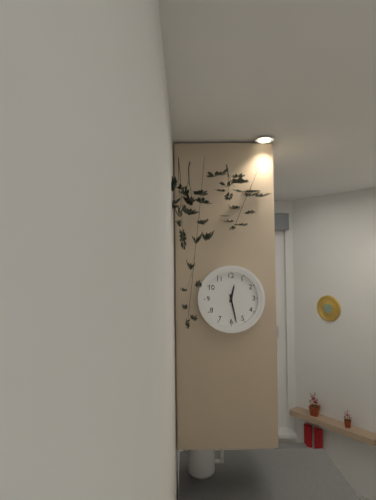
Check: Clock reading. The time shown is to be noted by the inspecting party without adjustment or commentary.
12:28
